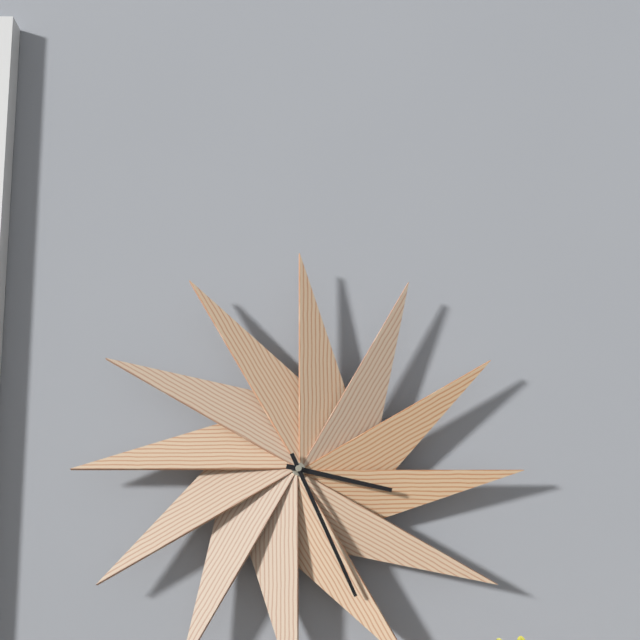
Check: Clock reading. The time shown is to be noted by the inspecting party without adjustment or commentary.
3:26
